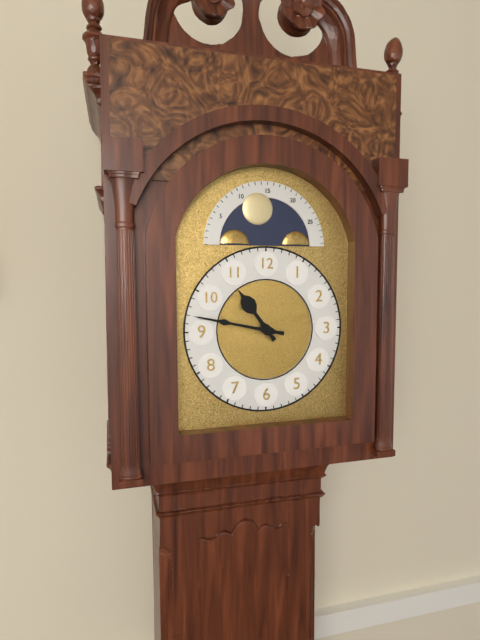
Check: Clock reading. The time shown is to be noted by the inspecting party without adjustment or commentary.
10:47
